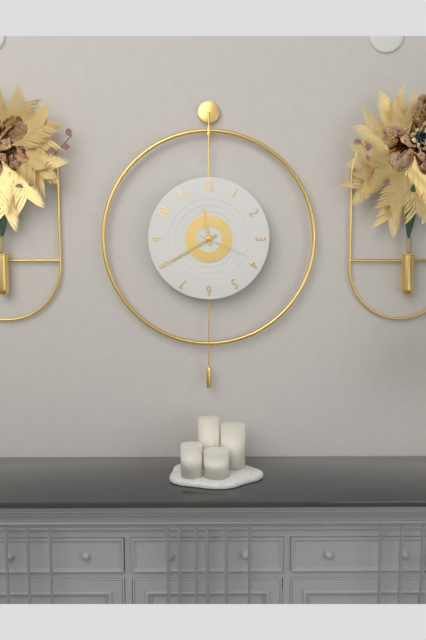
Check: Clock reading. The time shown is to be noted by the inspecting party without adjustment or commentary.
11:40:19
